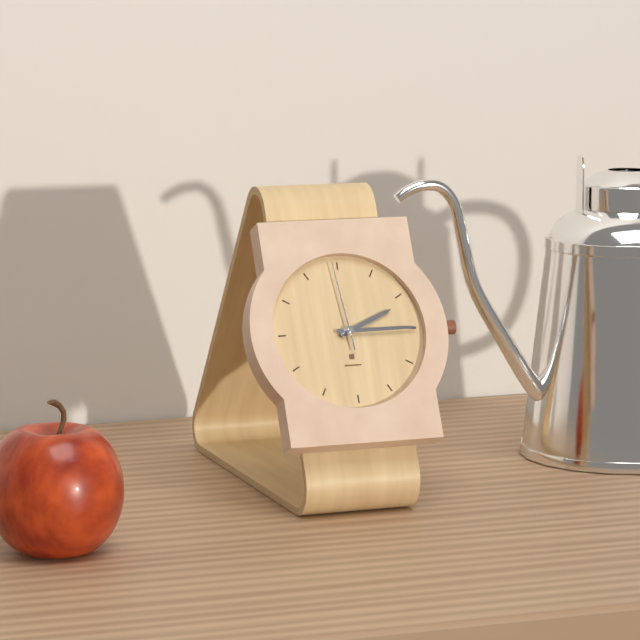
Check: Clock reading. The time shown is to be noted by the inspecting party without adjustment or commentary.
2:15:59
